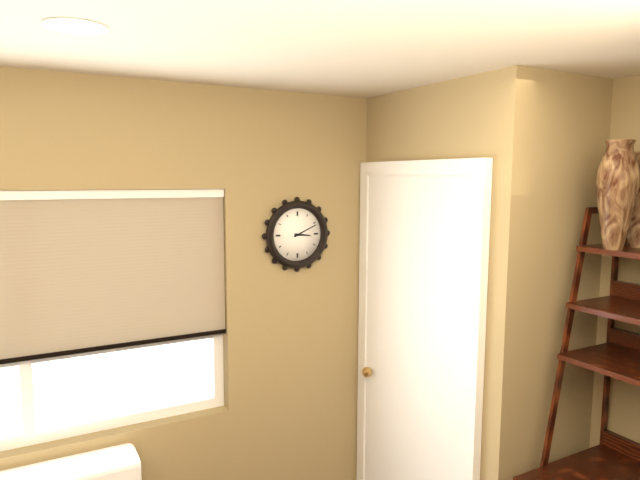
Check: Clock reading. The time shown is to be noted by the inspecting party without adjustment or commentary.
3:11
